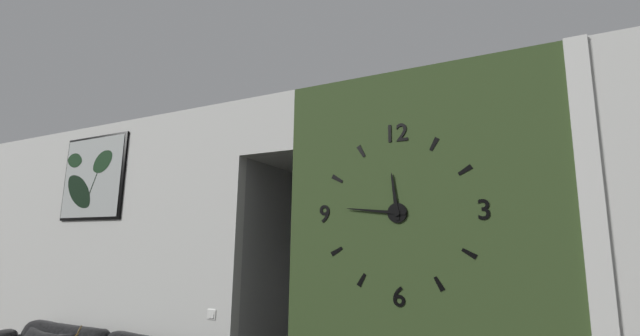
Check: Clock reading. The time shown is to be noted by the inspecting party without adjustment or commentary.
11:46
